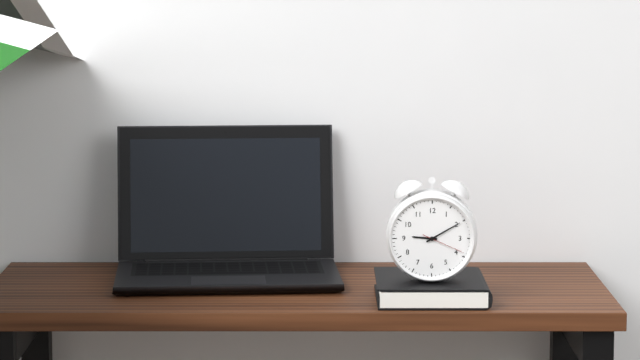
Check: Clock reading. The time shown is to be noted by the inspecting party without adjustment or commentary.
9:10
